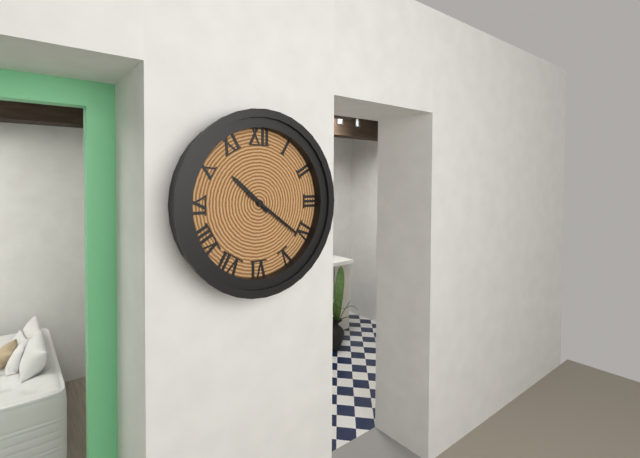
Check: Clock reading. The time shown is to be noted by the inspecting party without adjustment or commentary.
10:21
